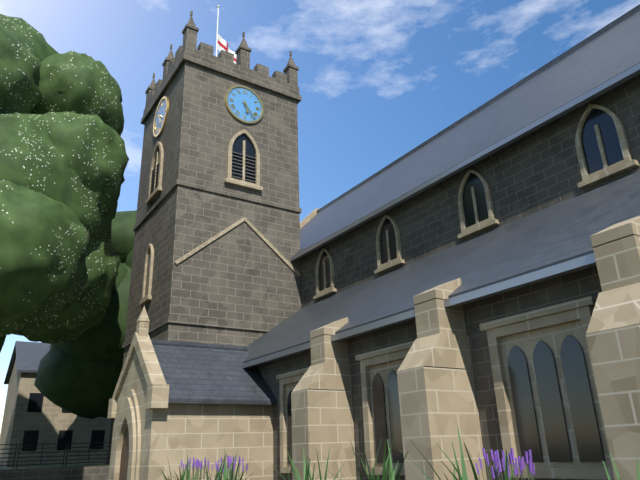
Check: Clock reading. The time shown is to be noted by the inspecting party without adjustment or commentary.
5:23
